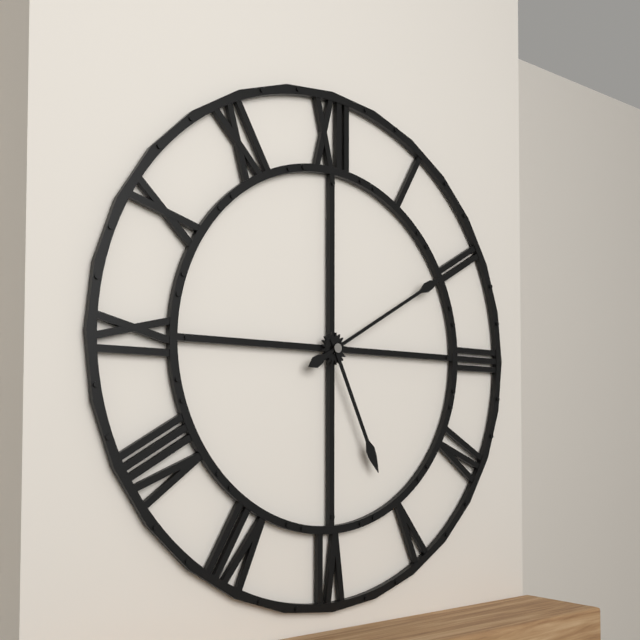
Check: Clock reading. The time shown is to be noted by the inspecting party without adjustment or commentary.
5:10
